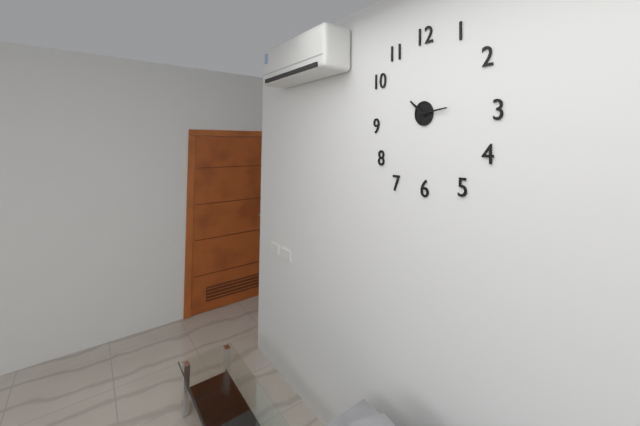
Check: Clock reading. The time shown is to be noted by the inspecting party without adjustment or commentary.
10:14
